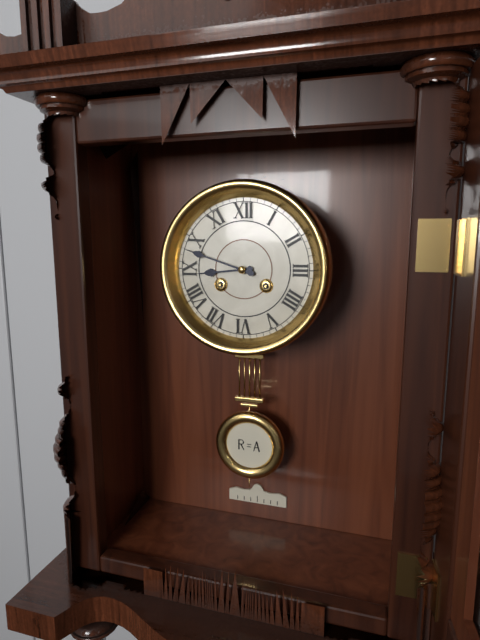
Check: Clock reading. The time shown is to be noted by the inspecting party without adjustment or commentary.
8:48
